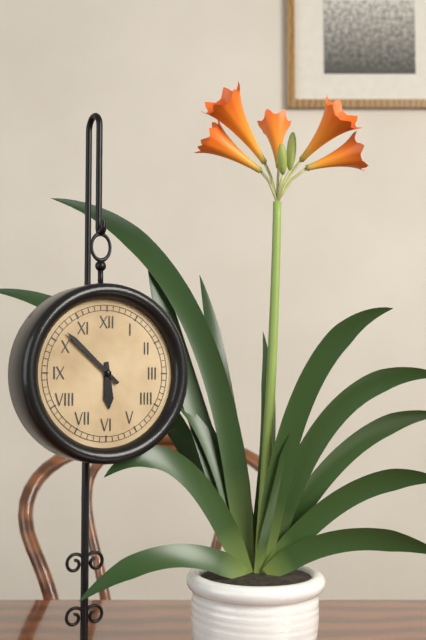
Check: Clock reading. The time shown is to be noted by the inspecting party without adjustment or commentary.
5:52
